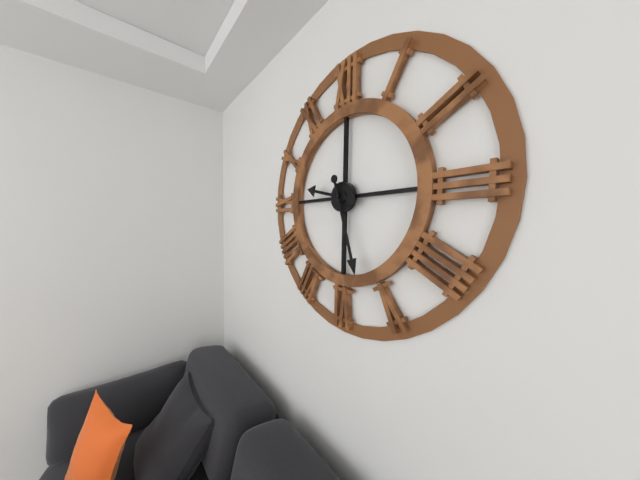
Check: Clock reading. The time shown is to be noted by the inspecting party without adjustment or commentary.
9:27
